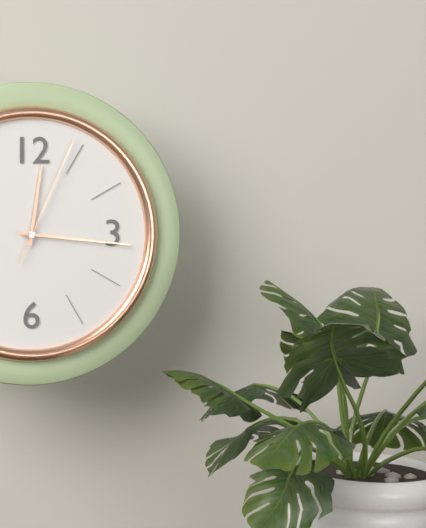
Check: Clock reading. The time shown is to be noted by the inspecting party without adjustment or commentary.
12:16:04
